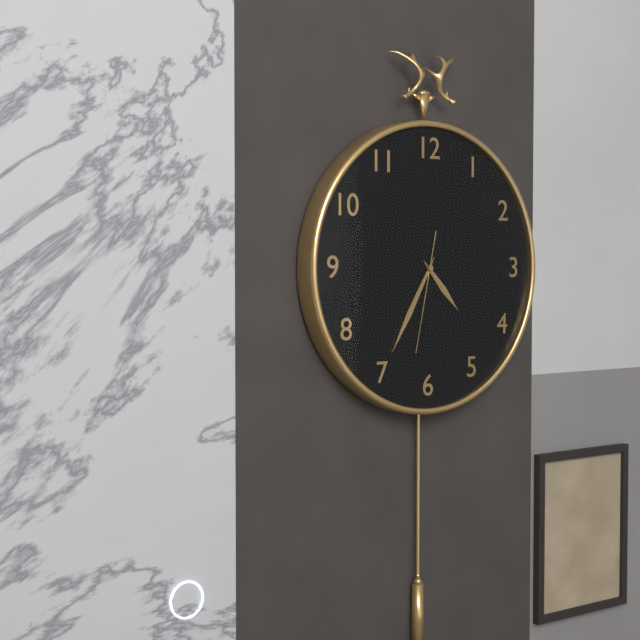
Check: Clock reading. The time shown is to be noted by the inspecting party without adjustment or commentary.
4:35:32
